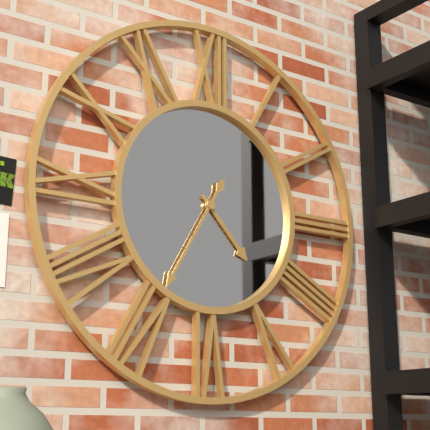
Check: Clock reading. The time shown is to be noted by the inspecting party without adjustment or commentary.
4:35
